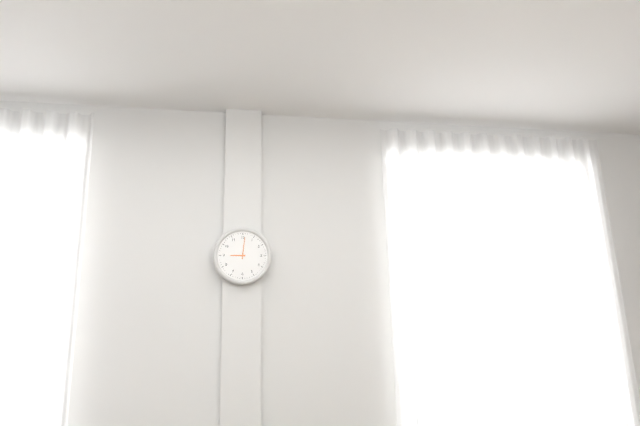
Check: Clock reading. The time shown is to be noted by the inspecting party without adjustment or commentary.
9:01
